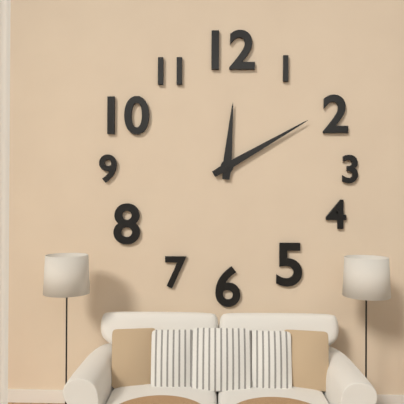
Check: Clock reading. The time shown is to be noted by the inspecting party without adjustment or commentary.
12:10
